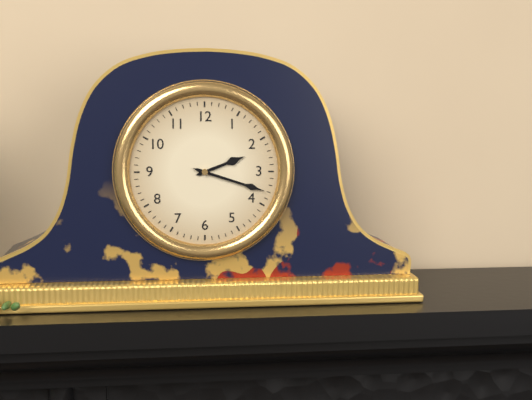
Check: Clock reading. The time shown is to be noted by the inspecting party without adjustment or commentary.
2:18
